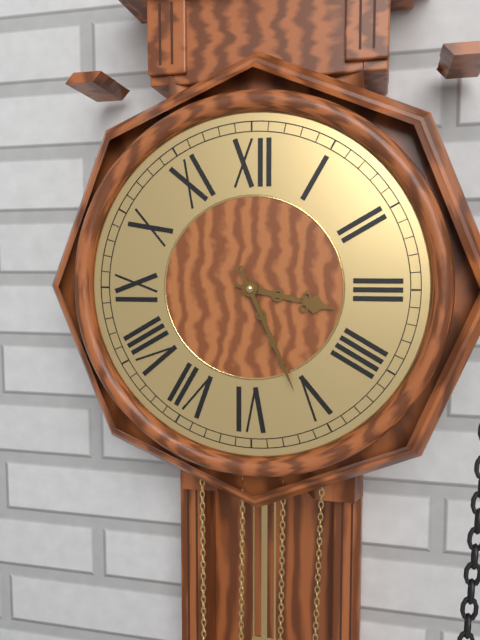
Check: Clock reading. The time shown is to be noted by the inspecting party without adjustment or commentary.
3:26
